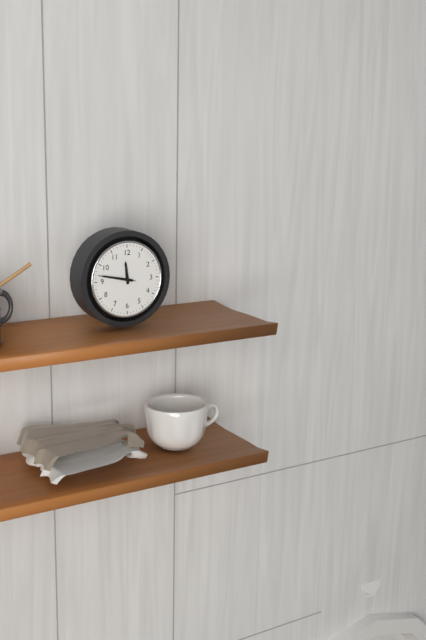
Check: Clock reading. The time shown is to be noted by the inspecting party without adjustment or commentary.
11:47
